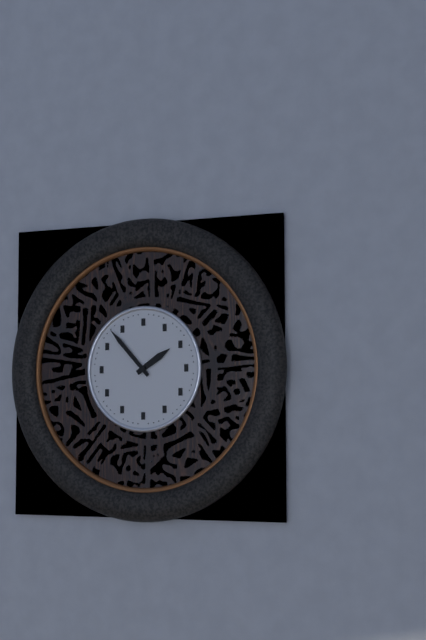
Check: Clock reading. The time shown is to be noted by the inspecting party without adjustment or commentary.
1:53
